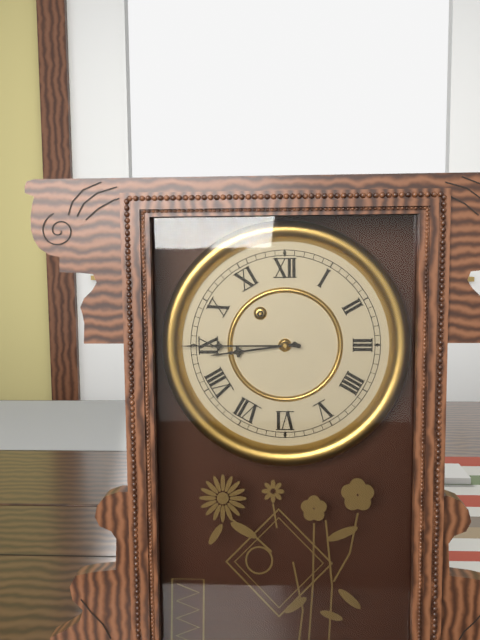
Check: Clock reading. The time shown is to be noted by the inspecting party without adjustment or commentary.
8:45
